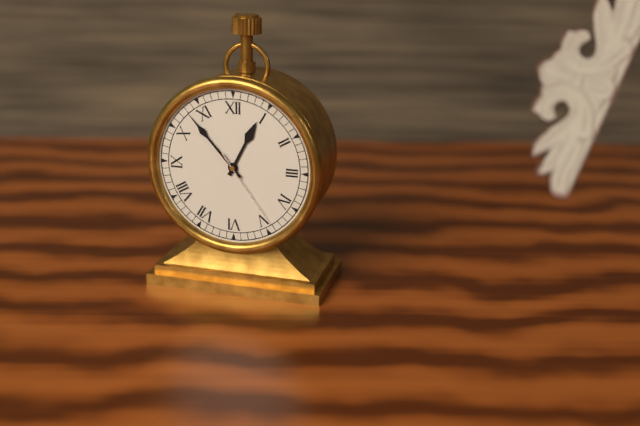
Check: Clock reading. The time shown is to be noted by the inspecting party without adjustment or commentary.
12:53:24
